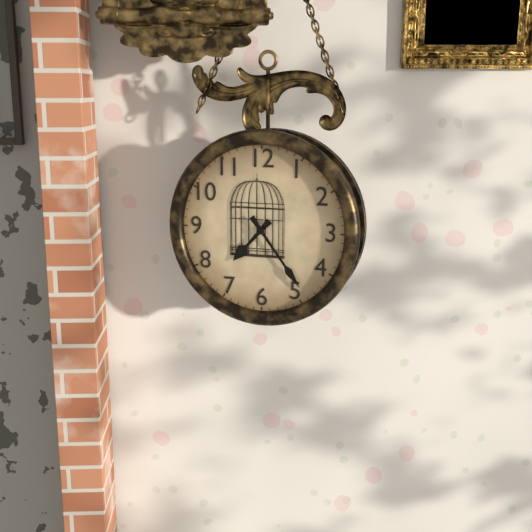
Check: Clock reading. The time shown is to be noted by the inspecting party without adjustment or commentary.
7:24
